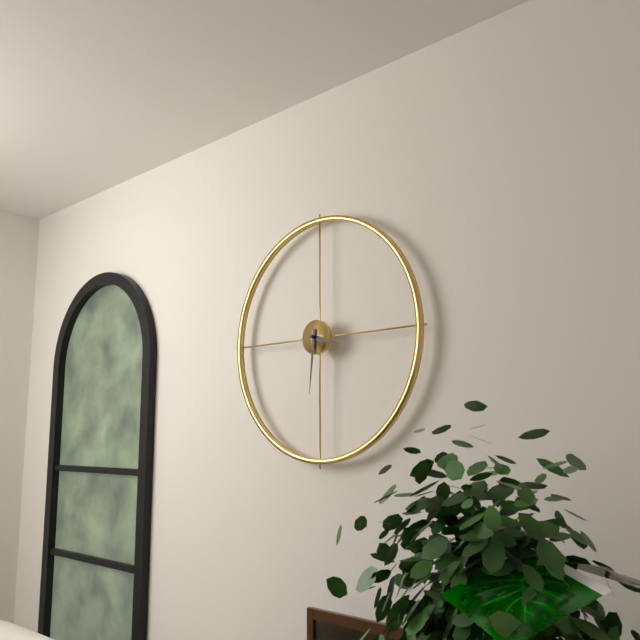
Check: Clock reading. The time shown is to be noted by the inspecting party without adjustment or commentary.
3:31
